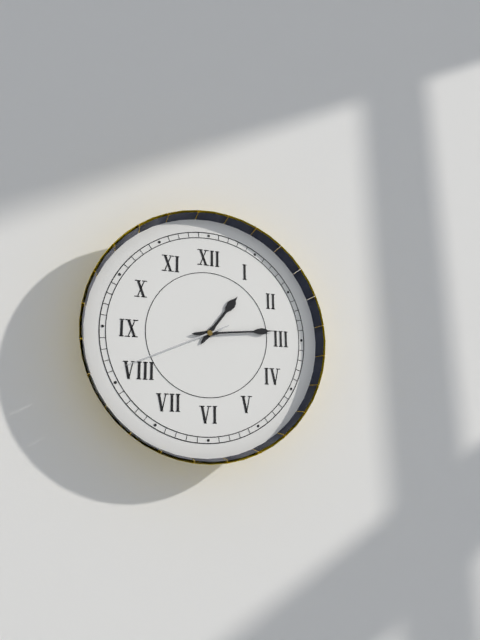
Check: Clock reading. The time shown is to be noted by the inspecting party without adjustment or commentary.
1:14:41
